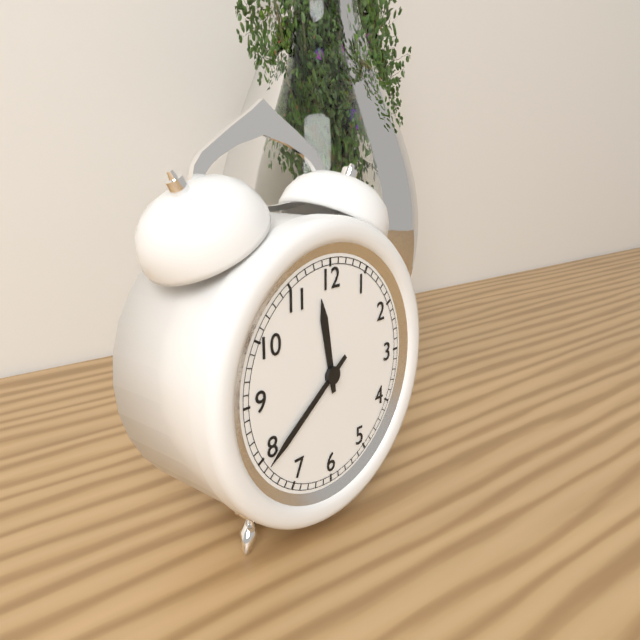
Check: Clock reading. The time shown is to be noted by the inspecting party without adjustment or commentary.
11:39
